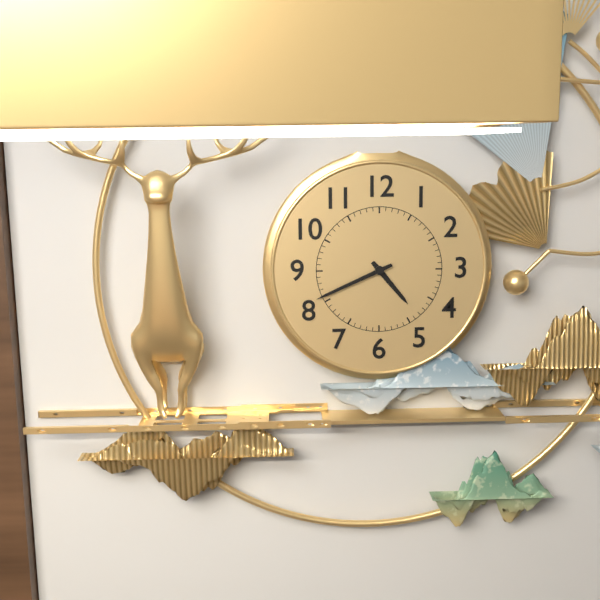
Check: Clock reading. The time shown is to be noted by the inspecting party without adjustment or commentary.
4:41
